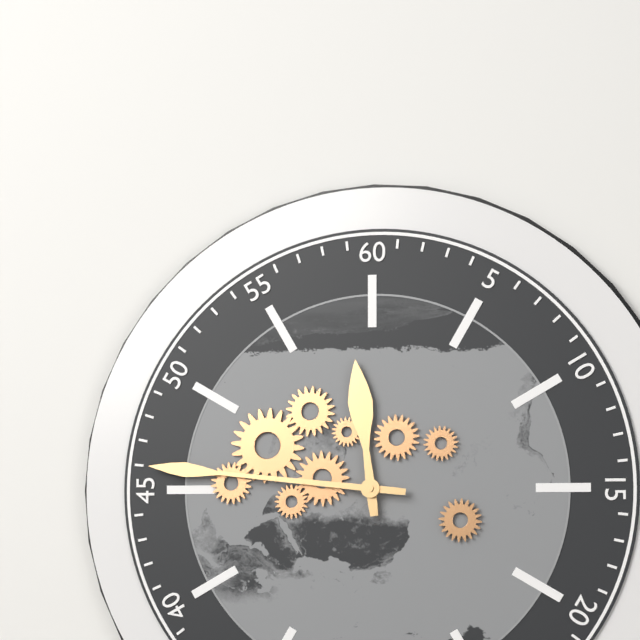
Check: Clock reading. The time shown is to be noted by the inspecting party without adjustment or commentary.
11:46
